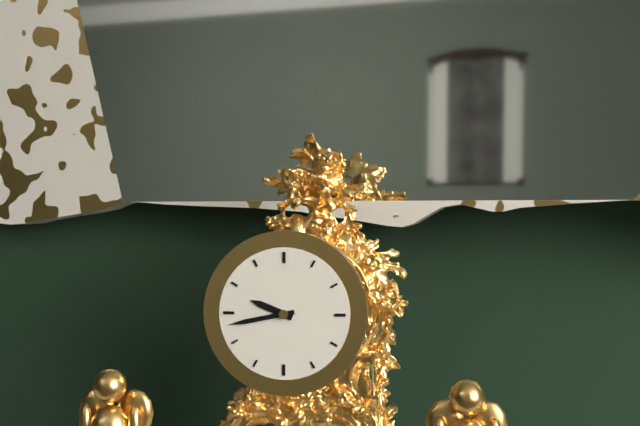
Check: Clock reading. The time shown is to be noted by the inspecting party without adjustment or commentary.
9:43
